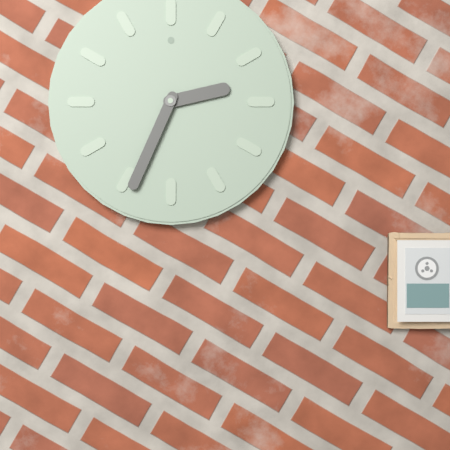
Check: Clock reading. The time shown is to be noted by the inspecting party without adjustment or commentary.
2:34
